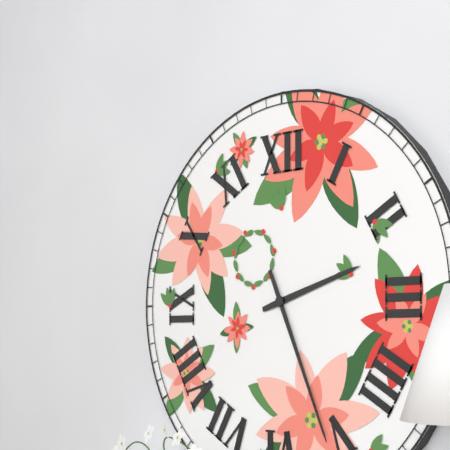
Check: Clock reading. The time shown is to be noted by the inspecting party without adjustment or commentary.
2:26
